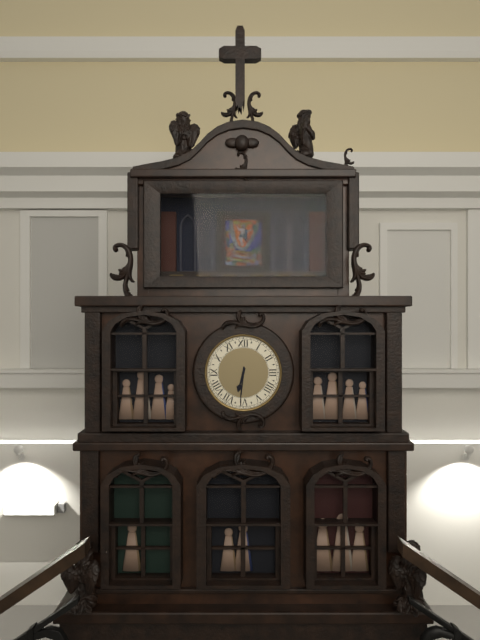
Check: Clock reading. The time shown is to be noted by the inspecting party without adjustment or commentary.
6:31
